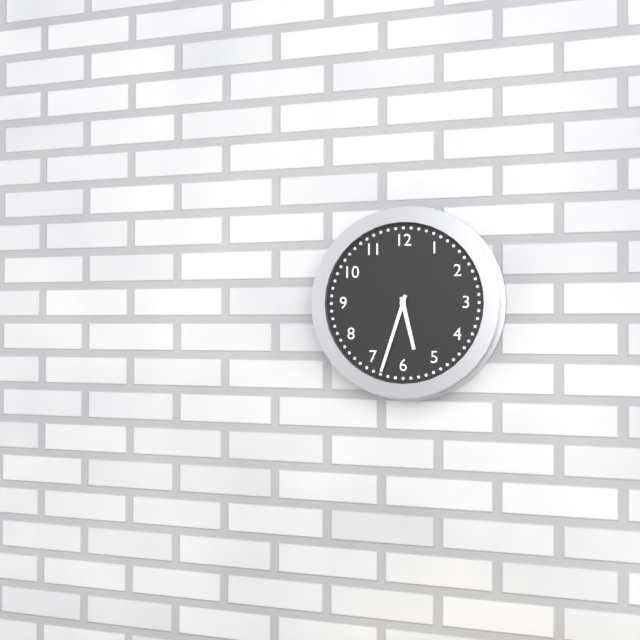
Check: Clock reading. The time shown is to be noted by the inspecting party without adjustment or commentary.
5:33
